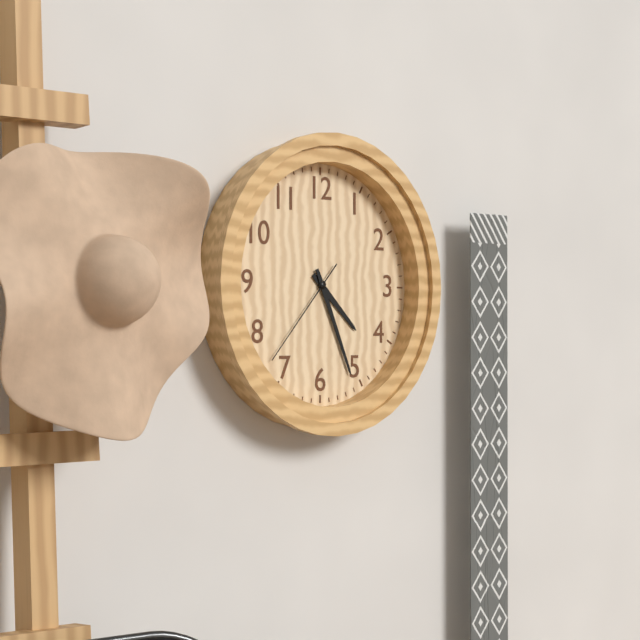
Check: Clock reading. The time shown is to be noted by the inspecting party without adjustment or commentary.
4:26:37
